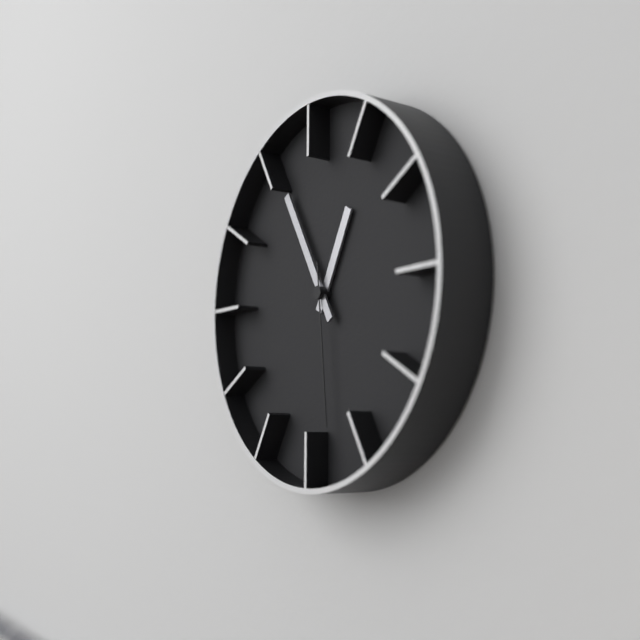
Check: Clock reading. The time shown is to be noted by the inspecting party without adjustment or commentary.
12:55:29
